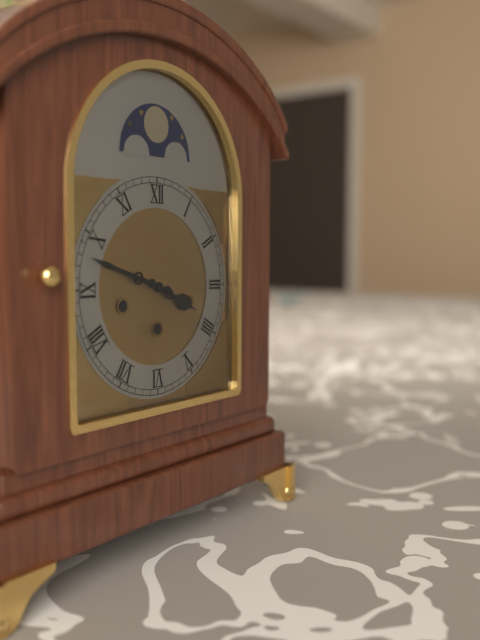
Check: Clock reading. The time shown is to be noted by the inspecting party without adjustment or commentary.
3:48
